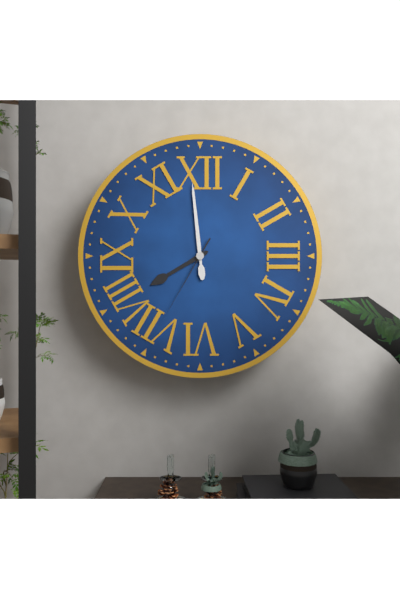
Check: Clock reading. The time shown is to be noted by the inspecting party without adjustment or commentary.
7:59:35
